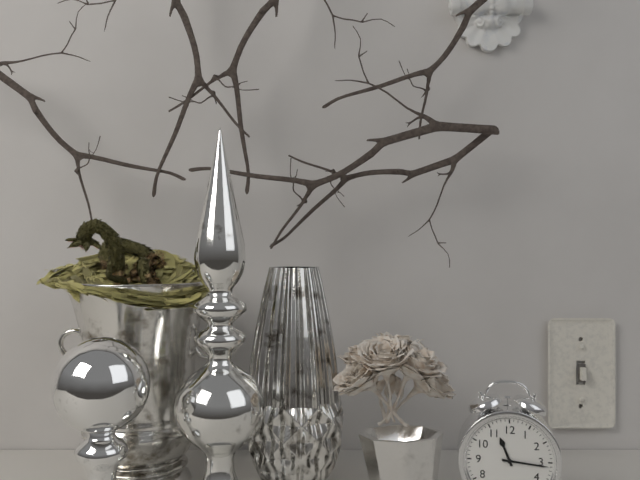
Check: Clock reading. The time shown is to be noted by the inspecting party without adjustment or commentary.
11:16
